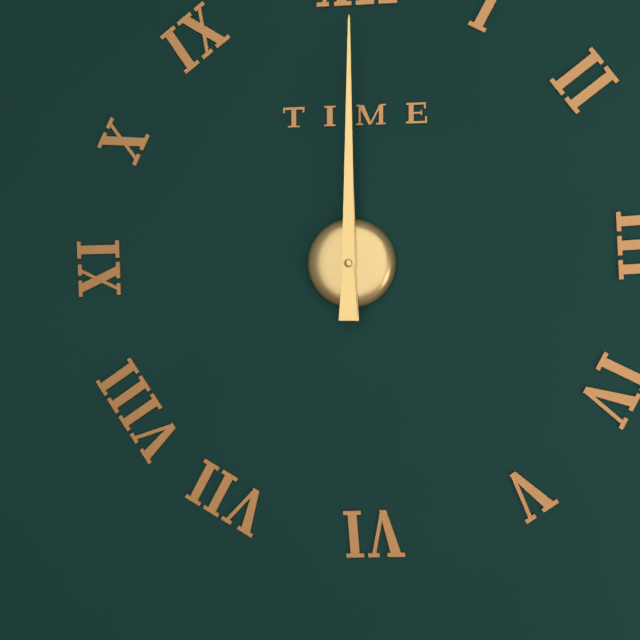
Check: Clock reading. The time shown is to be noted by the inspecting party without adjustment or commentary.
12:00
